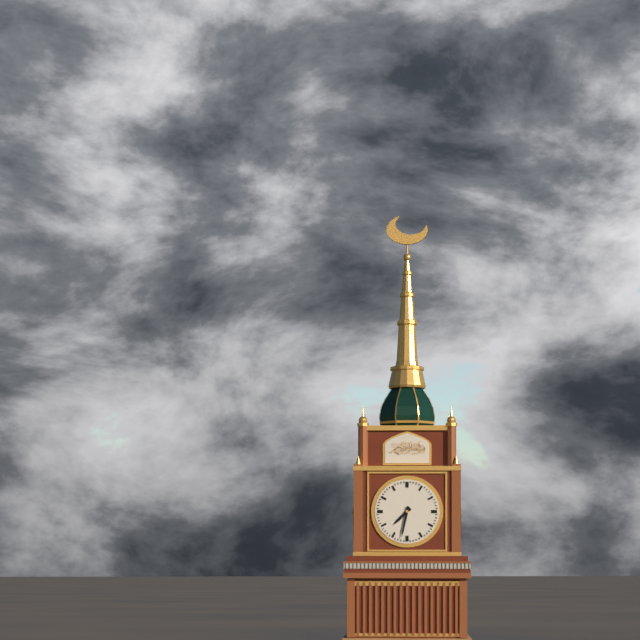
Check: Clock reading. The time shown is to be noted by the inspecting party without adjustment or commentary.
7:32
